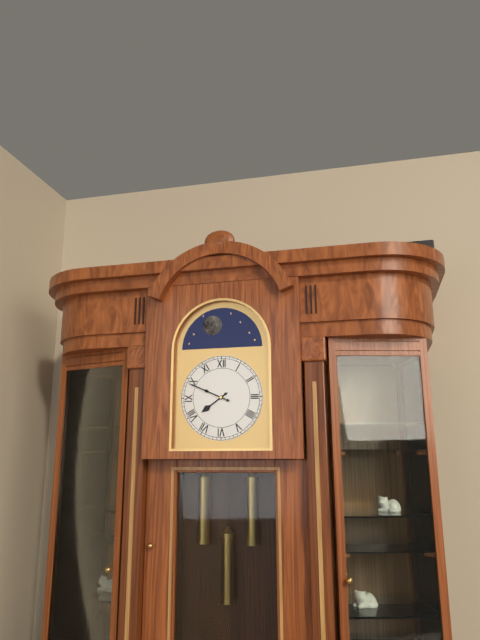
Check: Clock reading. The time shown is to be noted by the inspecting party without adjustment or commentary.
7:49
